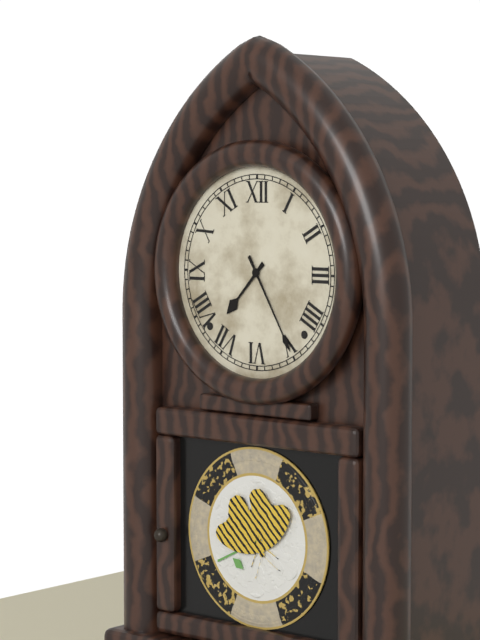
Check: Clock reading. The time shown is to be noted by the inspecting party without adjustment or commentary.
7:25
